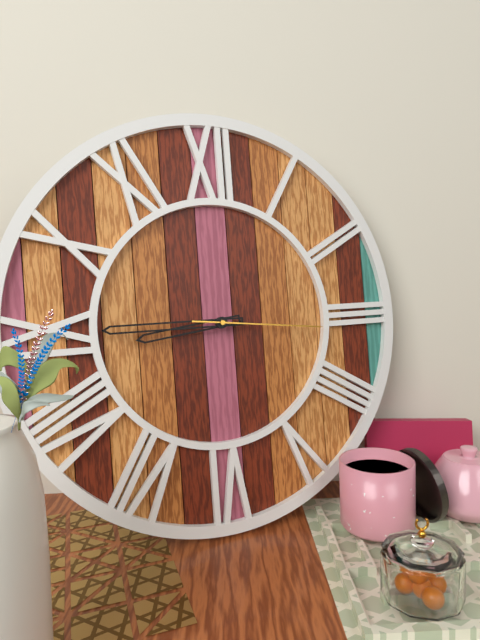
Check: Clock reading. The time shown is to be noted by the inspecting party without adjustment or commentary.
8:45:16
